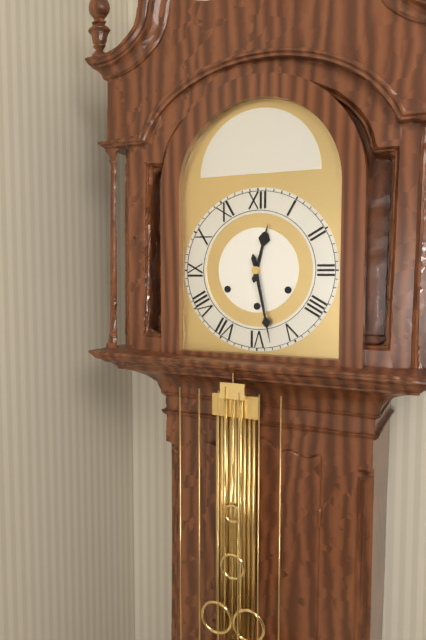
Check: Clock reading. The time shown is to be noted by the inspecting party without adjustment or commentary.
12:28
